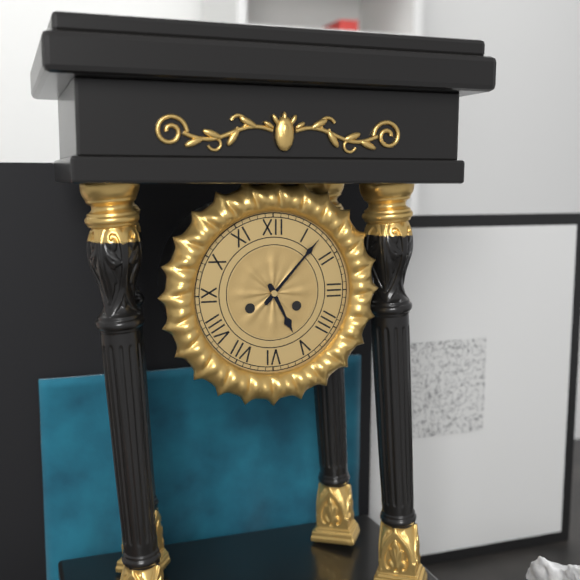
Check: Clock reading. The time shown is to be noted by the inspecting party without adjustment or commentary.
5:07
